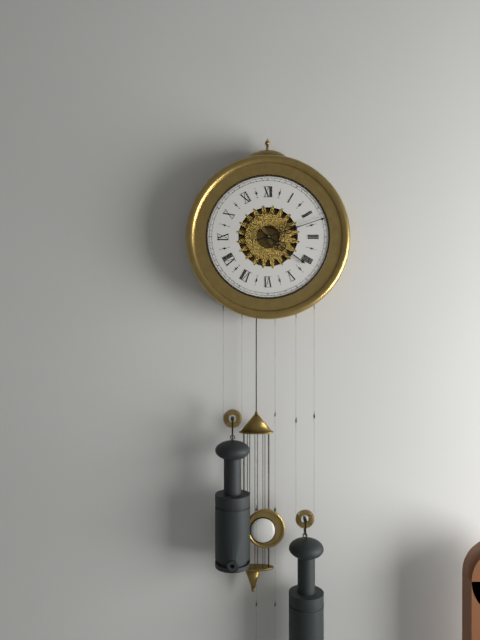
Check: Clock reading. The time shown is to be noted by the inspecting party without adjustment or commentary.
4:12
